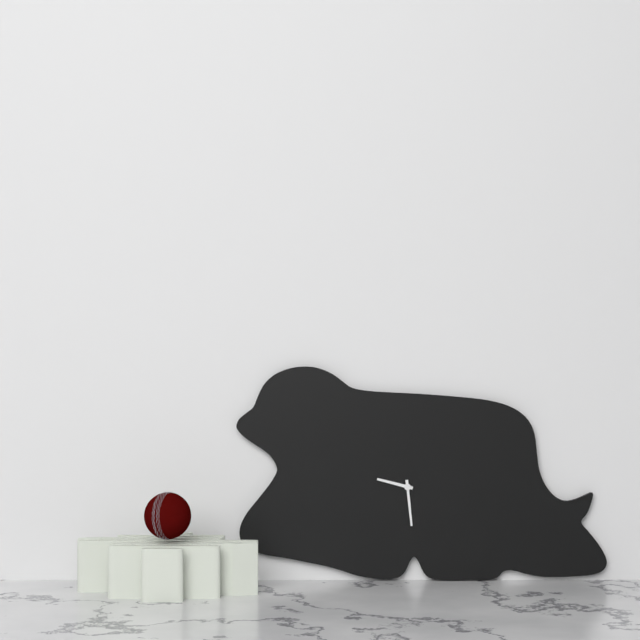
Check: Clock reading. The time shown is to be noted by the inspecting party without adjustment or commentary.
9:29
